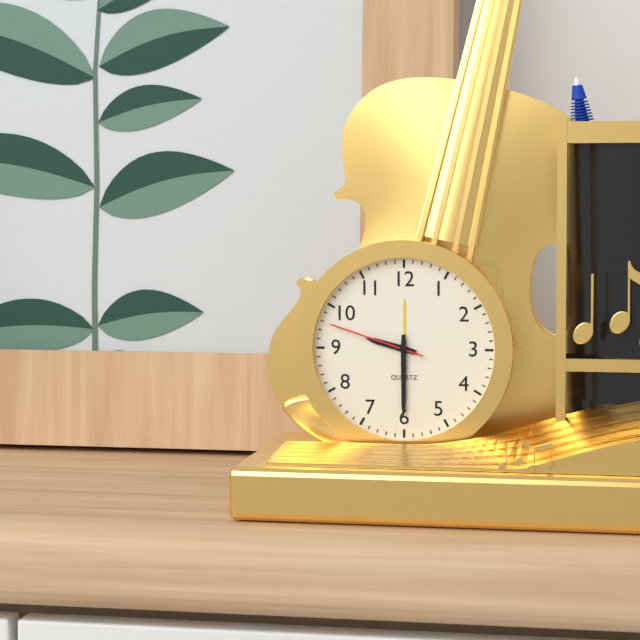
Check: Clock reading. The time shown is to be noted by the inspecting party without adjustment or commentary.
9:30:48
